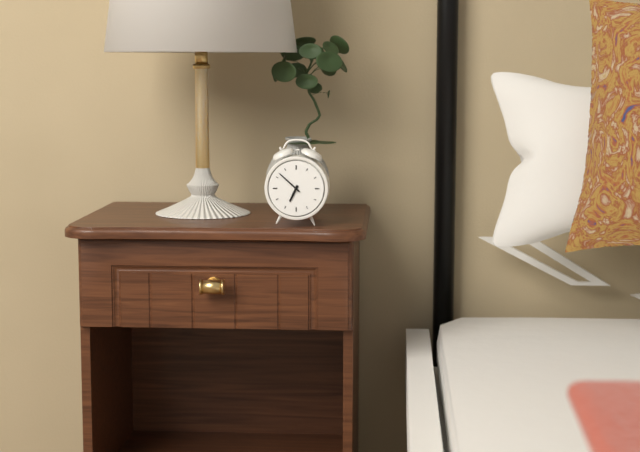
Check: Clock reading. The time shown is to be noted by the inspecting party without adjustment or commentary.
6:52
